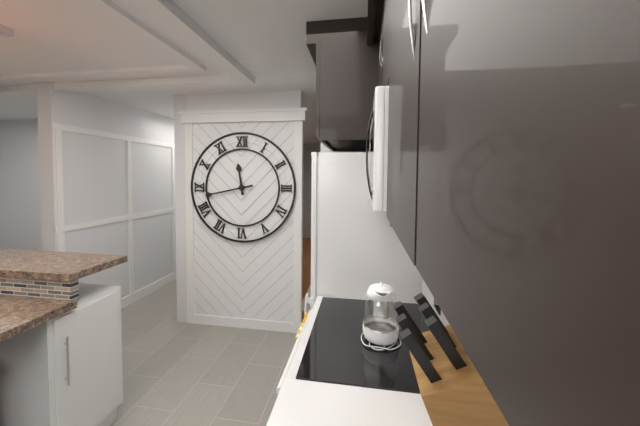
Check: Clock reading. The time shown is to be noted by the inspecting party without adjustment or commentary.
11:43
